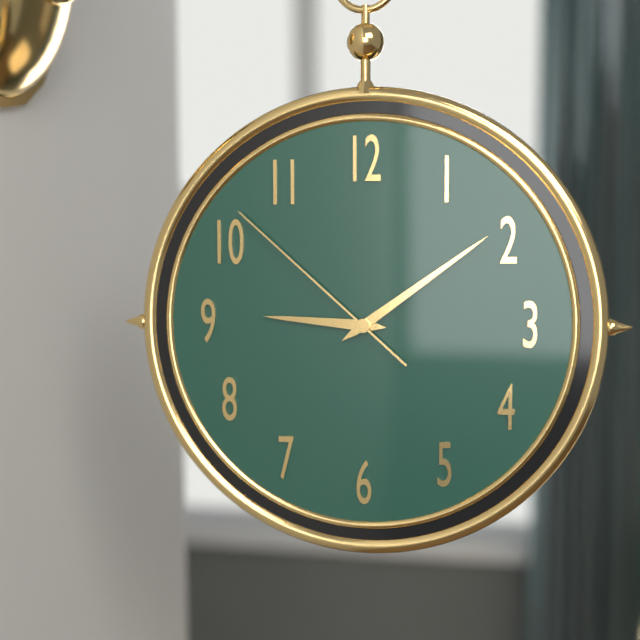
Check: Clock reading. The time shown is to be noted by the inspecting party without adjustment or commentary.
9:09:52
